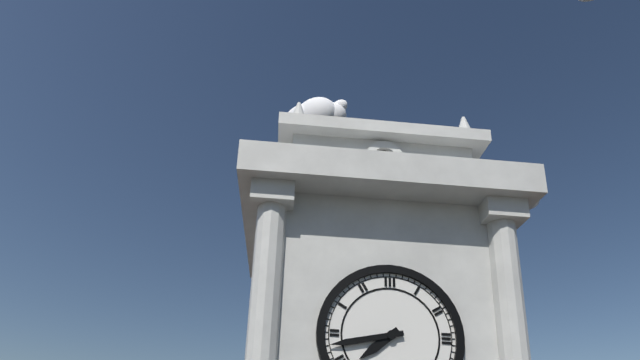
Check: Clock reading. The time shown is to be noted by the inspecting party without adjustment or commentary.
7:43
